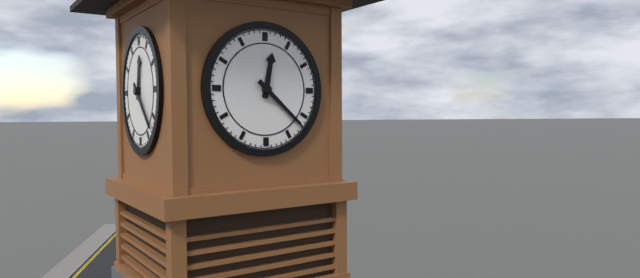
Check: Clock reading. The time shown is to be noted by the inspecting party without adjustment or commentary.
12:22
